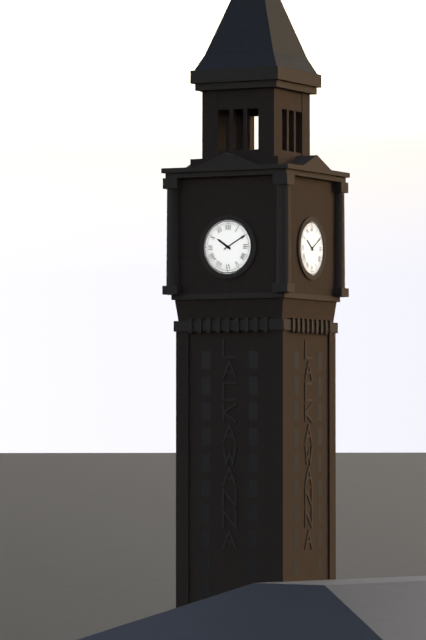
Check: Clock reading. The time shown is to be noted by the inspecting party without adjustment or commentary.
10:10
